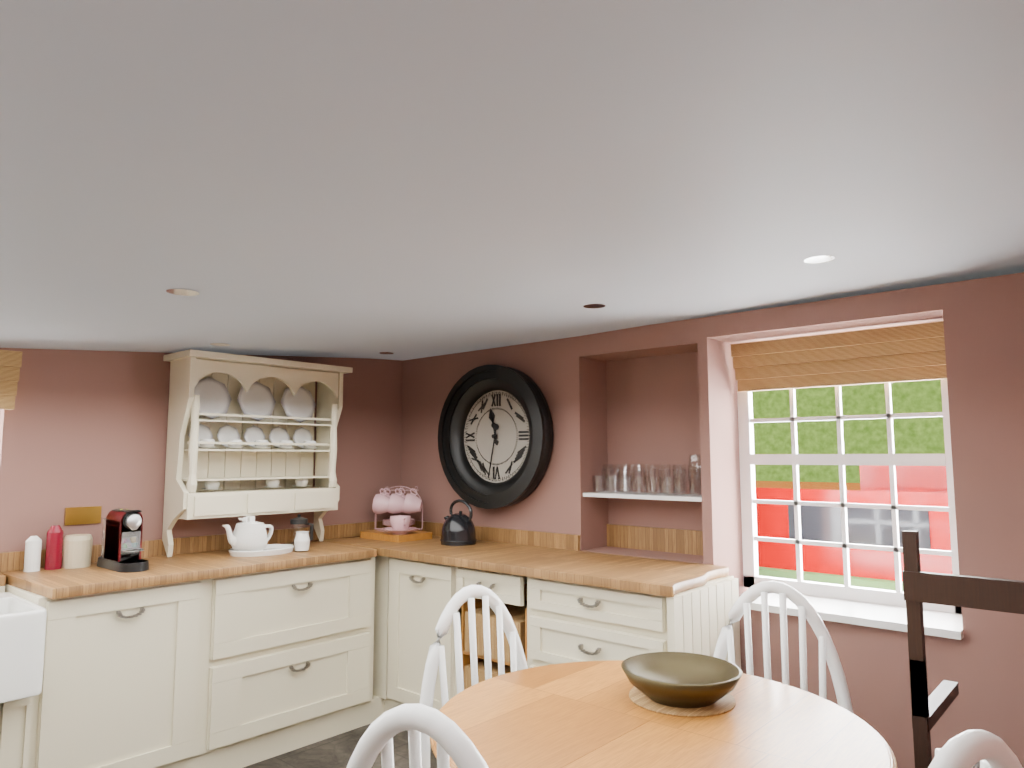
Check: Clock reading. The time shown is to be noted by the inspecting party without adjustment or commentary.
11:32
